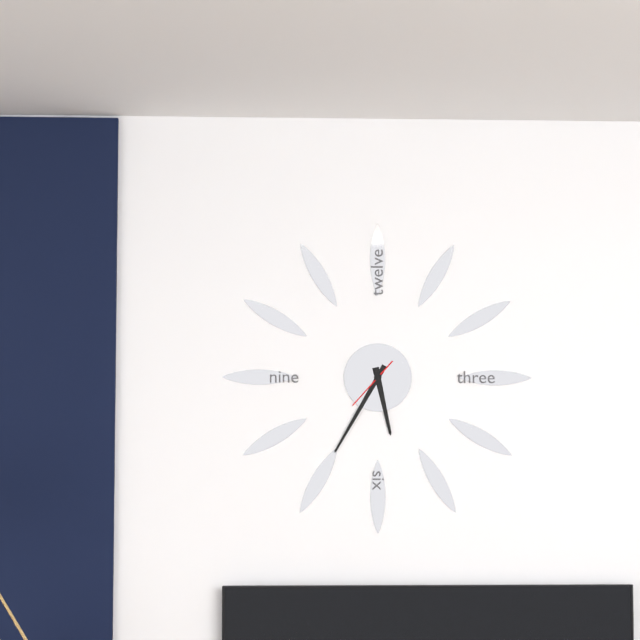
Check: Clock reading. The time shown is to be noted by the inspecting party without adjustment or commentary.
5:35
